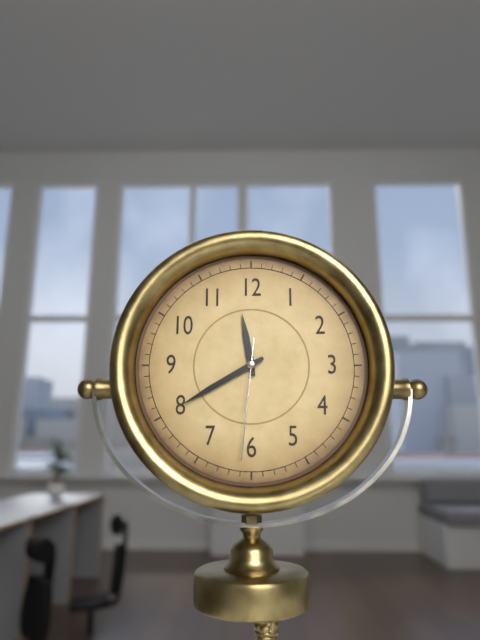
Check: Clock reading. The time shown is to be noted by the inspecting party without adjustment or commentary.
11:40:31
